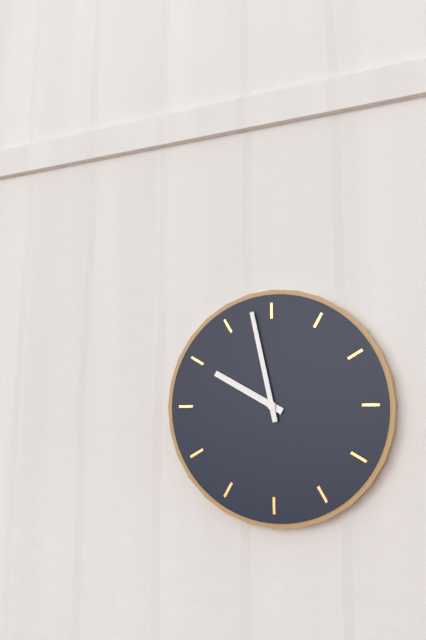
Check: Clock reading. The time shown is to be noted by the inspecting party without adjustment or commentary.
9:58
